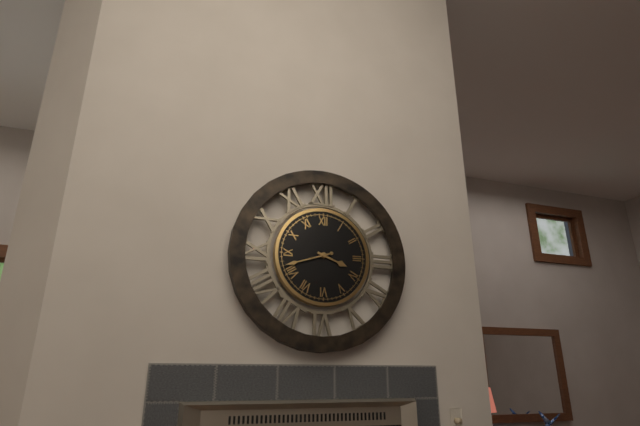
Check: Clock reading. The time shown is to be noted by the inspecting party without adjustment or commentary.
3:42
